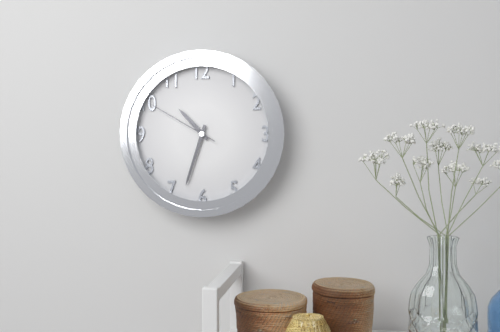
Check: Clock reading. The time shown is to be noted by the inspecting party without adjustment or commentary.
10:33:50
